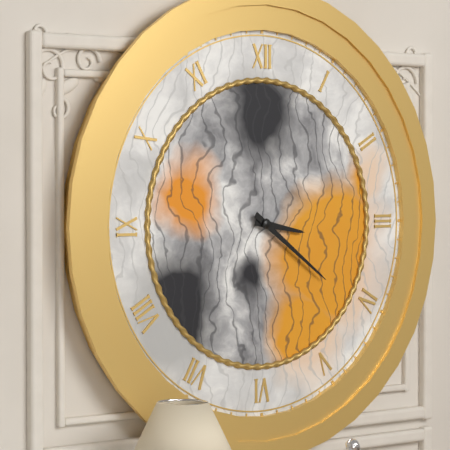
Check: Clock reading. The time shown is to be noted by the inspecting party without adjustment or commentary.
3:21
